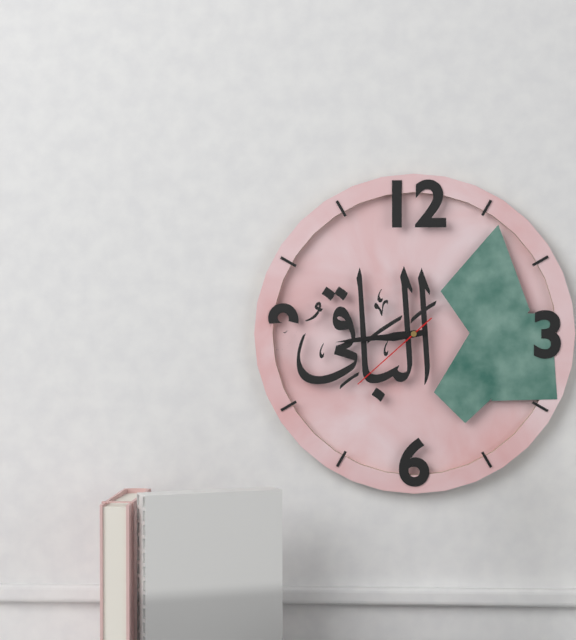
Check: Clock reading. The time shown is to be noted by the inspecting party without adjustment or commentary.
8:44:38
